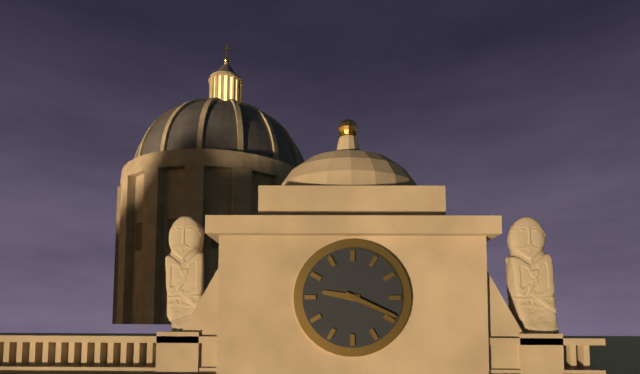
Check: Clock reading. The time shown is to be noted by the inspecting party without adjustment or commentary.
9:19
